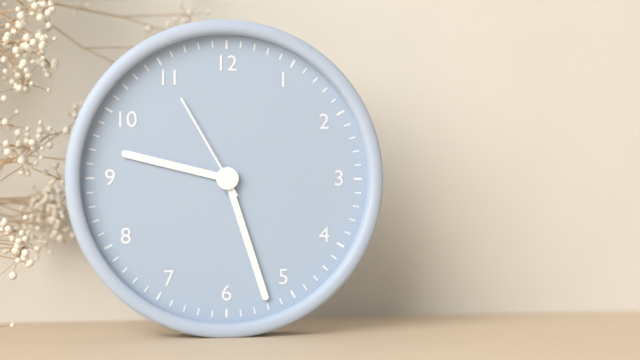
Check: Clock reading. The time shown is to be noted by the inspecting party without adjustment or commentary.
9:27:55
